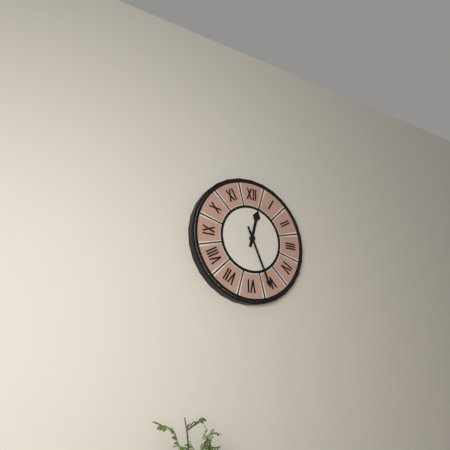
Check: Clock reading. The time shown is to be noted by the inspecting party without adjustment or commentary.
12:26
